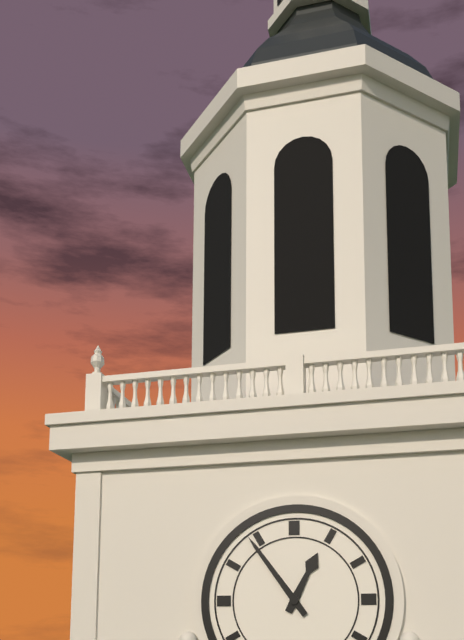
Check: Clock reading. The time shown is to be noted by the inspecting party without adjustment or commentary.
12:54
